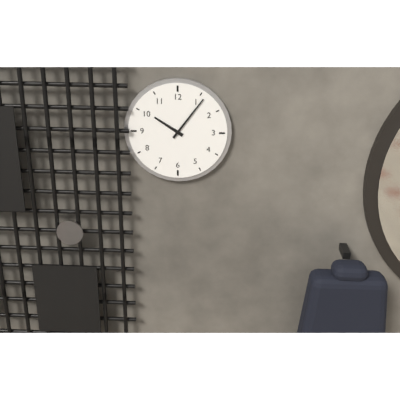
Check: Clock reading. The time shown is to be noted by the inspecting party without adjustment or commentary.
10:06
